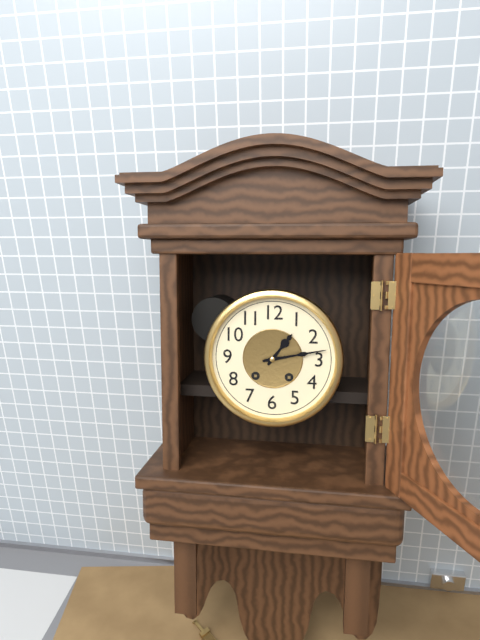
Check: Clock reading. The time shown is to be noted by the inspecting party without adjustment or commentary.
1:13
